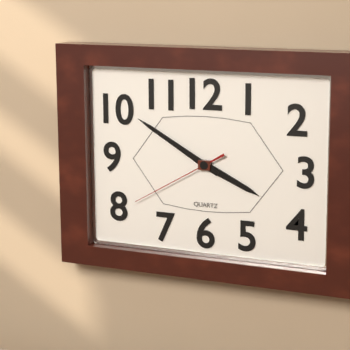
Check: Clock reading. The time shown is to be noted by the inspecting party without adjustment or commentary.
3:50:40
